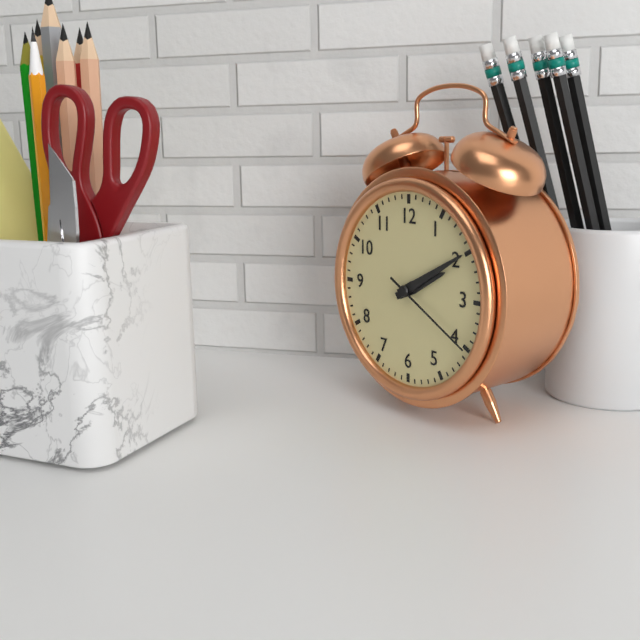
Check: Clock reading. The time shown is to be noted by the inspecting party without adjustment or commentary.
2:10:20
